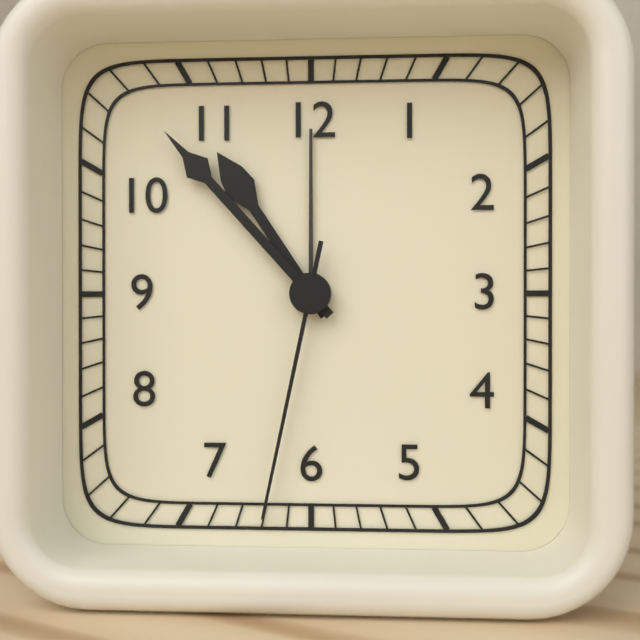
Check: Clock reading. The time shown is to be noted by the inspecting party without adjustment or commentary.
10:53:32
